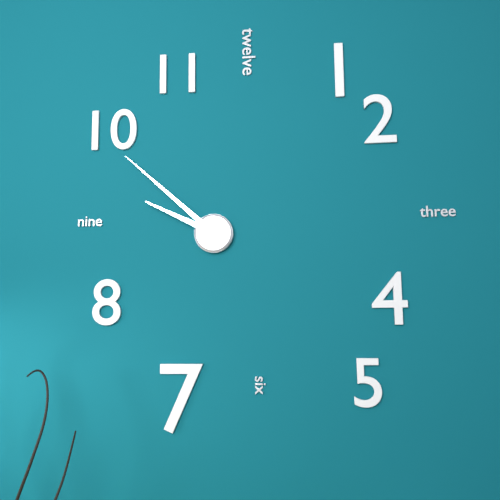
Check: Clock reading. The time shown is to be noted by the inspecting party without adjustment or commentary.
9:52
